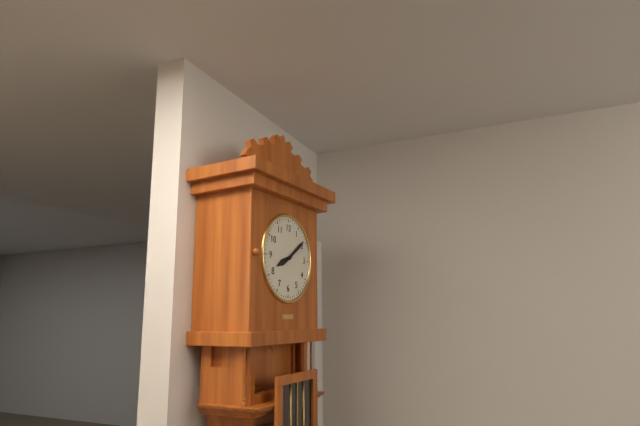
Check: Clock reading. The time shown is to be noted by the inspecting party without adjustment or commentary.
8:09
